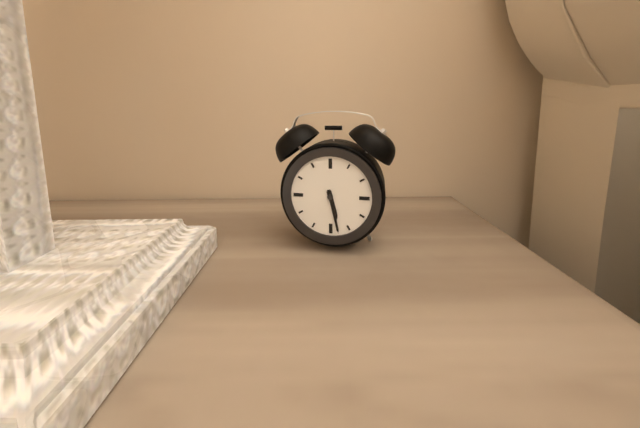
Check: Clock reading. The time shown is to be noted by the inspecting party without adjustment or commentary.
5:28
